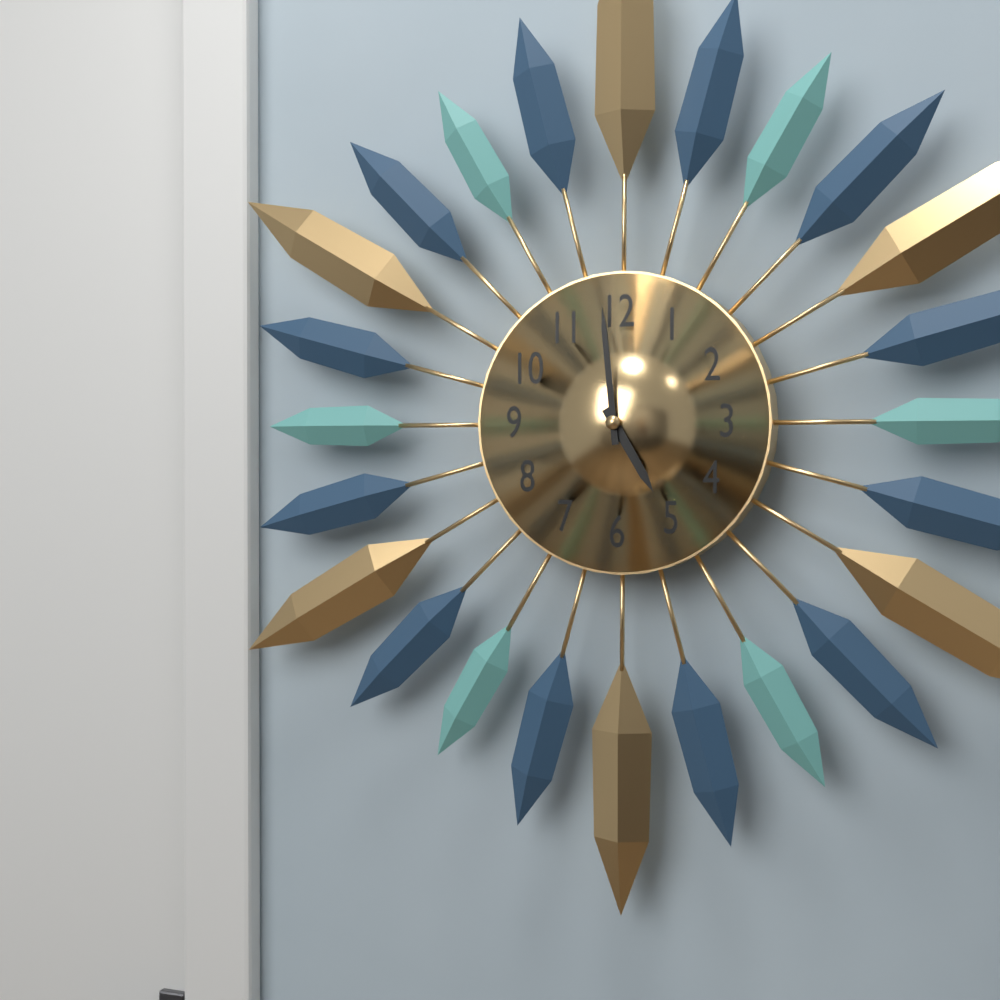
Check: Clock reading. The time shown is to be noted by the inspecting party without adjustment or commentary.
4:59
